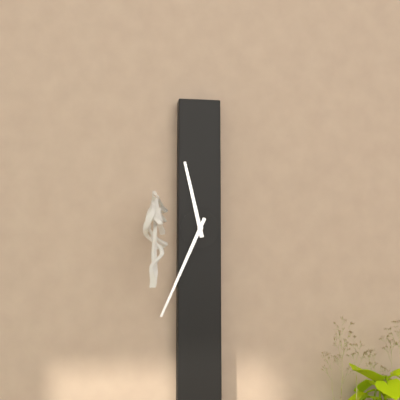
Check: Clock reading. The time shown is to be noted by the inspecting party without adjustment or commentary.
11:34
